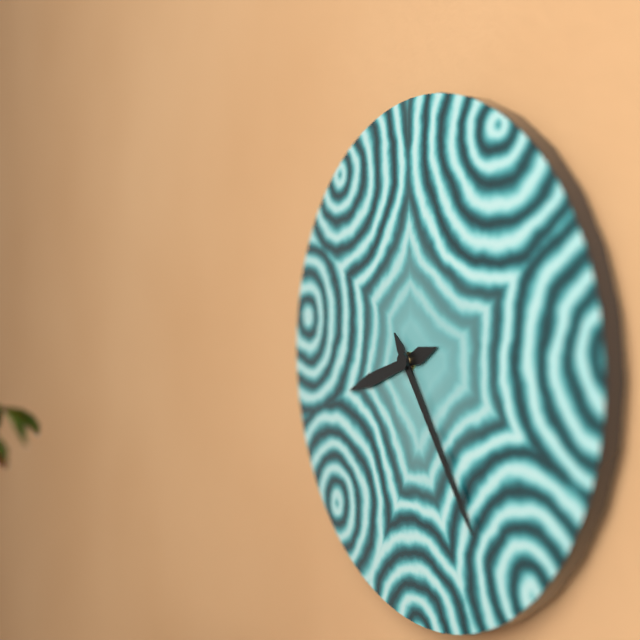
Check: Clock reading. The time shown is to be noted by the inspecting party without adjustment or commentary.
8:24
